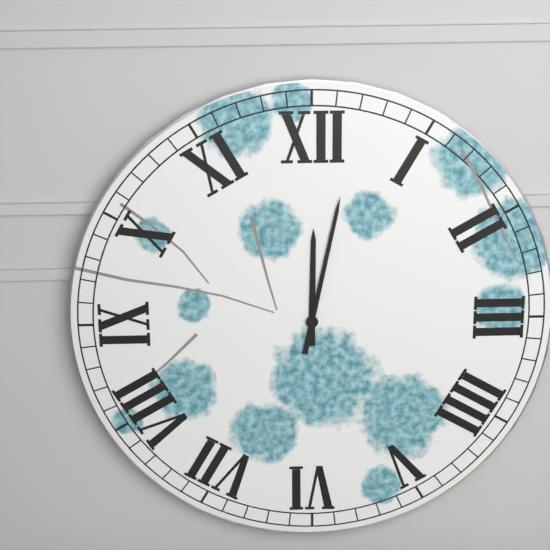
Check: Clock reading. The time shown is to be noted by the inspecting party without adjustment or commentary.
12:02
